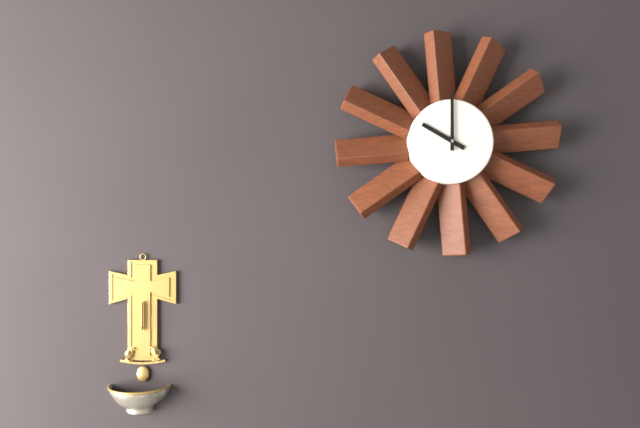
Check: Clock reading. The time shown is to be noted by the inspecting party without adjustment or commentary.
10:00
